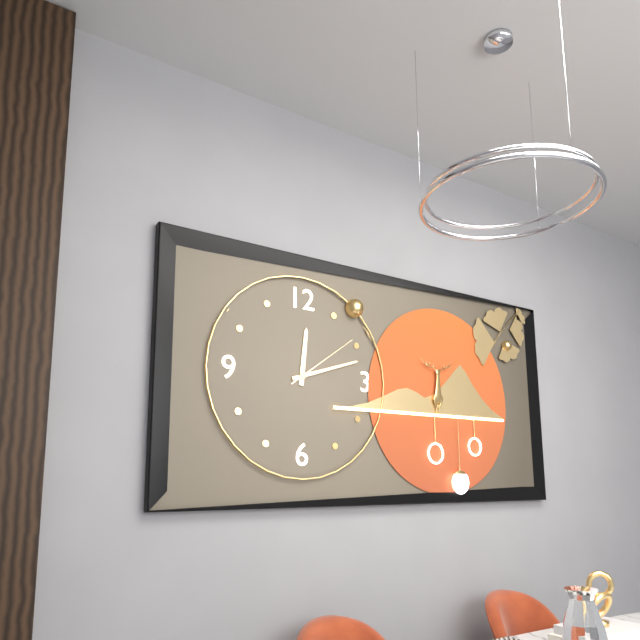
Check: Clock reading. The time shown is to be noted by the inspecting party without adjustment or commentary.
12:12:09
